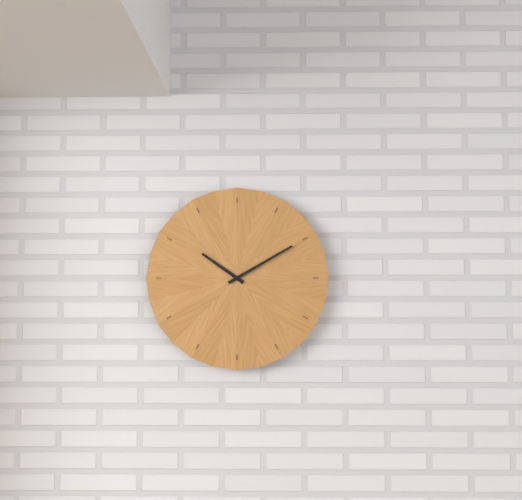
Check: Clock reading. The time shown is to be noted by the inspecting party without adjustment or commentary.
10:10
